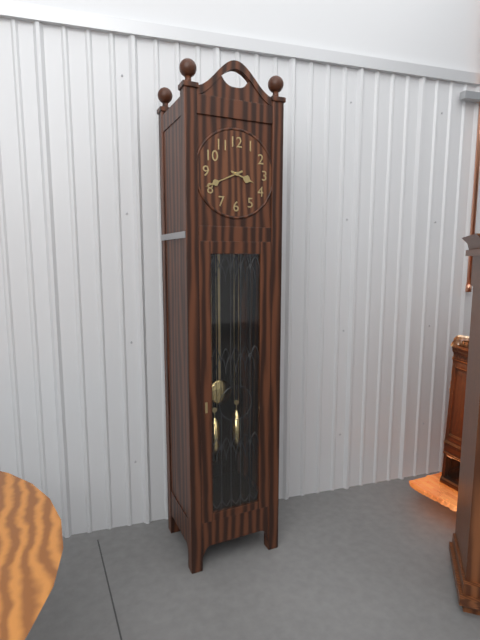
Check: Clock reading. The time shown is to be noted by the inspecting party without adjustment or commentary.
3:41
